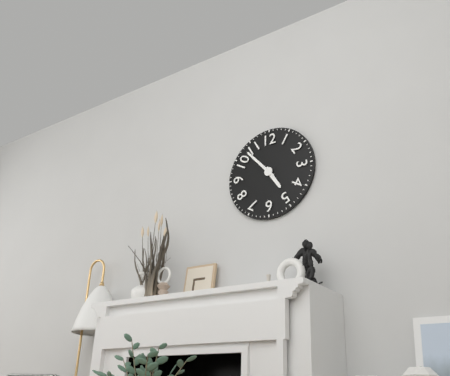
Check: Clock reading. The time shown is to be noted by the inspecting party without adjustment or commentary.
4:53
